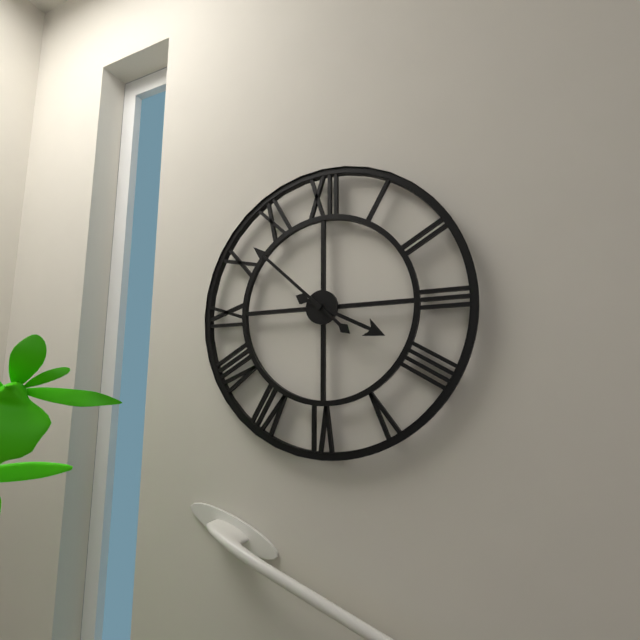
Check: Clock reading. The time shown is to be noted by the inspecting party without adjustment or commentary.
3:52
